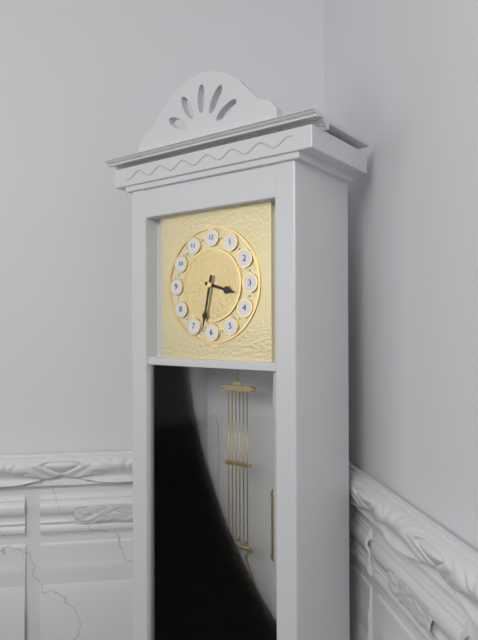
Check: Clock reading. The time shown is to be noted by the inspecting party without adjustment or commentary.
3:32
